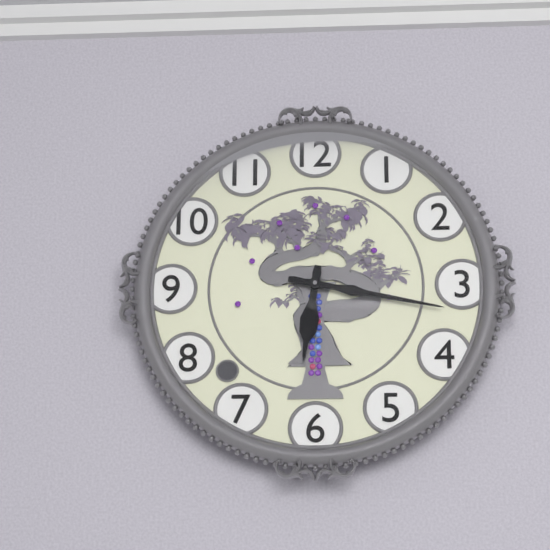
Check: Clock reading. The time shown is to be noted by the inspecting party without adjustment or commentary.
6:17
